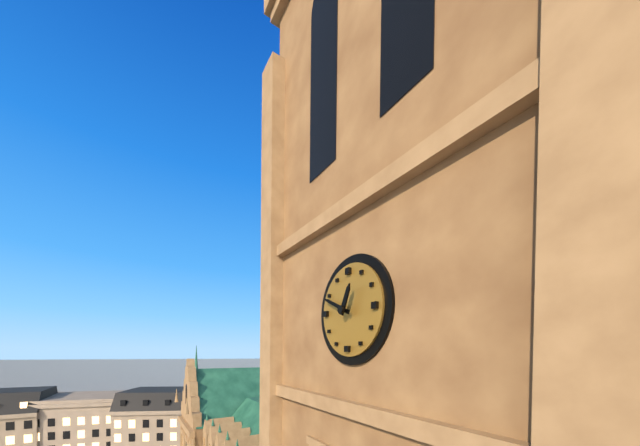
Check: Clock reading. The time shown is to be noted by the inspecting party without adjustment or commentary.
12:49
